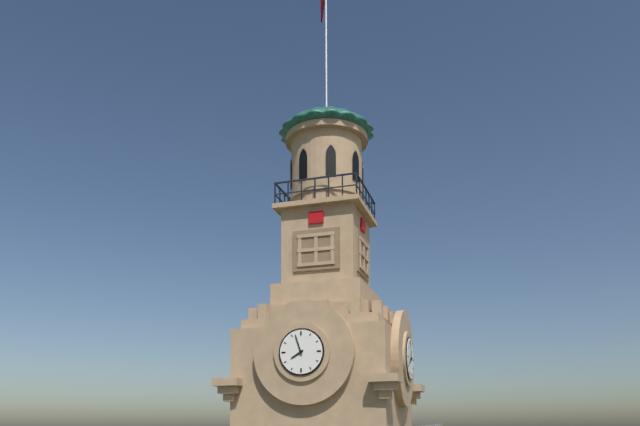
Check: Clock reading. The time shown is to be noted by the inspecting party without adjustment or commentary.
7:57
